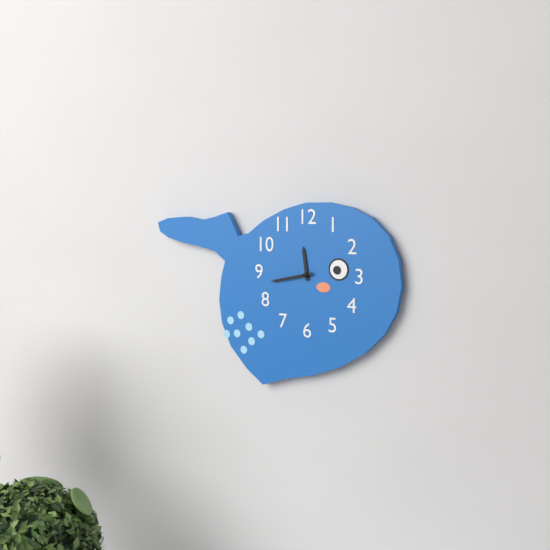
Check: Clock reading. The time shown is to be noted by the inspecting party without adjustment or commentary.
11:43
